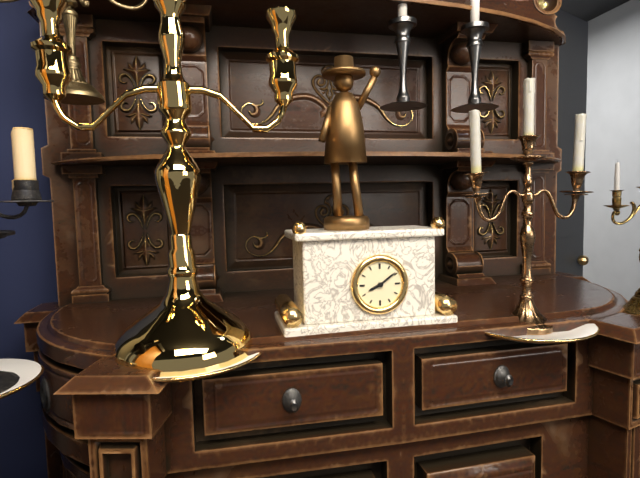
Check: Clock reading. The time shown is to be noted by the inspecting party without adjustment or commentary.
8:09
